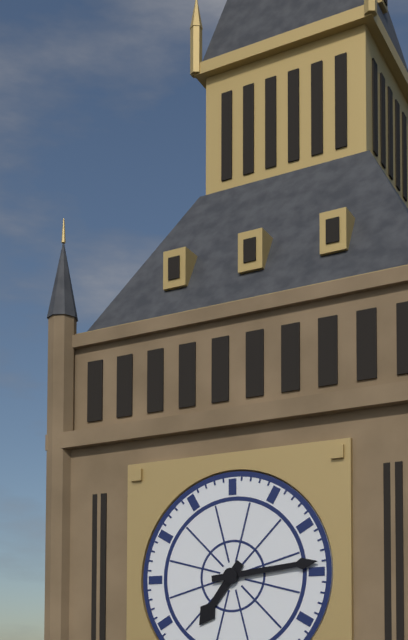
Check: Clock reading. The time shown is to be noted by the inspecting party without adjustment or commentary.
7:14
